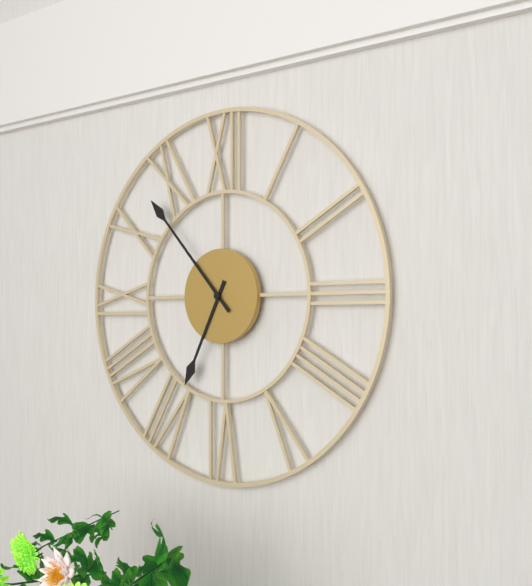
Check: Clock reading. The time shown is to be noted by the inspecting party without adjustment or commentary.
6:53
